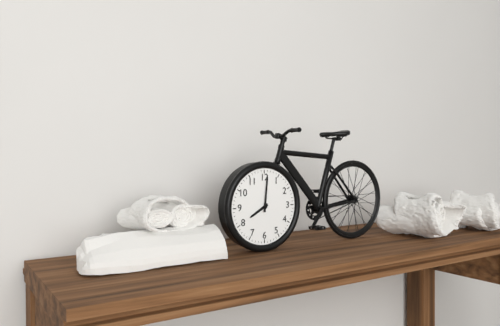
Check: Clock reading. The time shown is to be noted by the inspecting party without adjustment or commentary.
8:01
